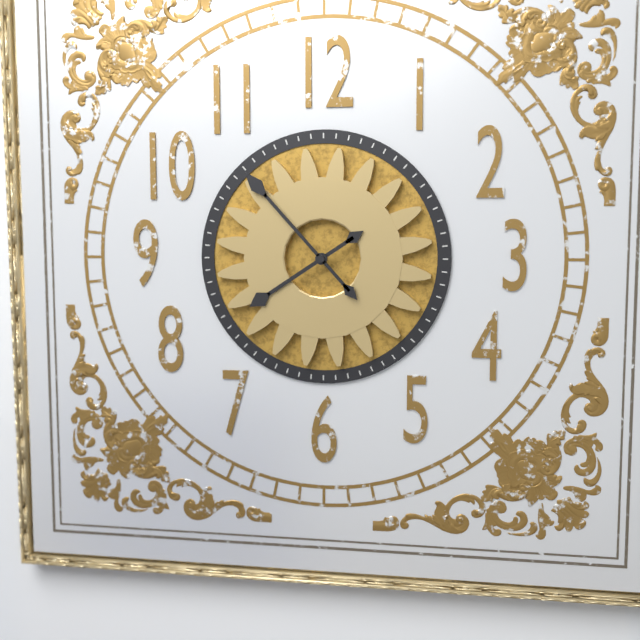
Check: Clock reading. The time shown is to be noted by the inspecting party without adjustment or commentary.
7:53
